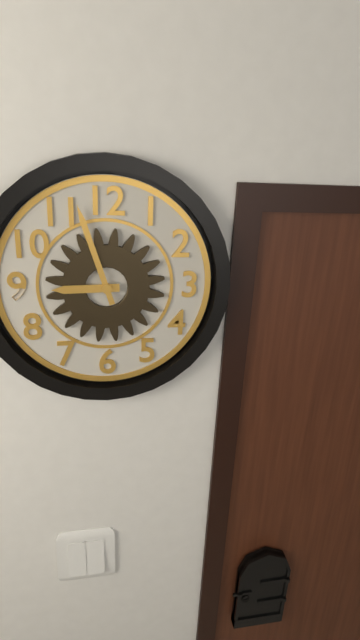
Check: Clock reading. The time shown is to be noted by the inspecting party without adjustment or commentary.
8:57
